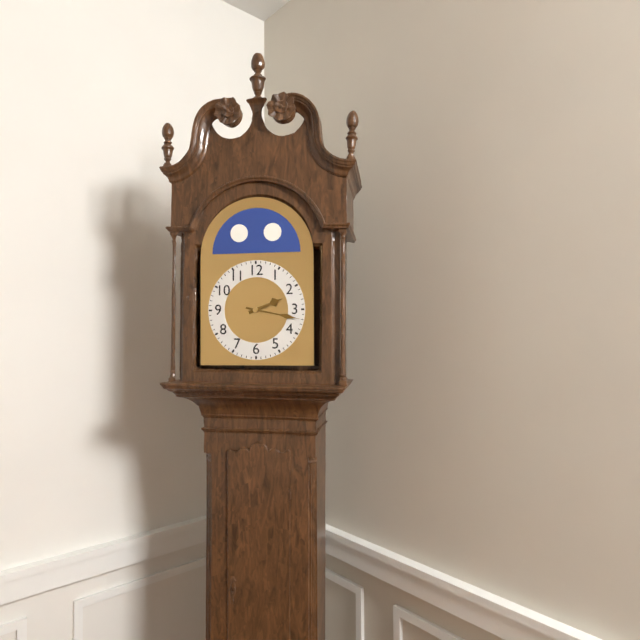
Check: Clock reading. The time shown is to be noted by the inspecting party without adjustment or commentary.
2:17
